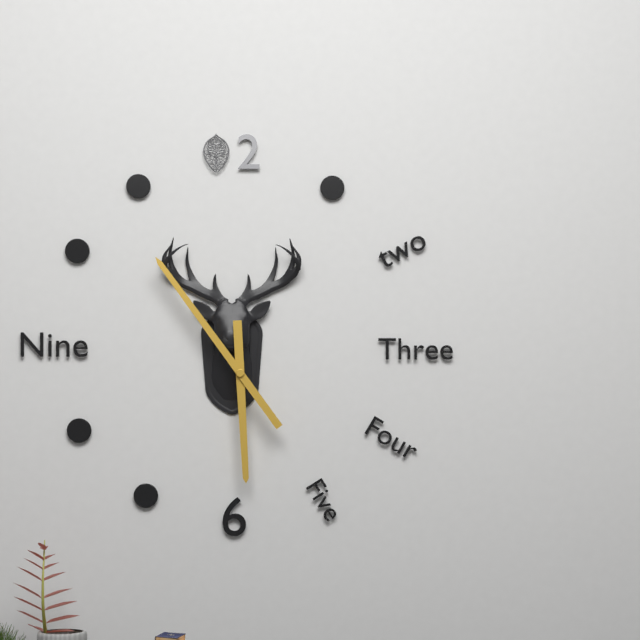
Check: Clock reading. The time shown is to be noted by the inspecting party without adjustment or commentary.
5:54
